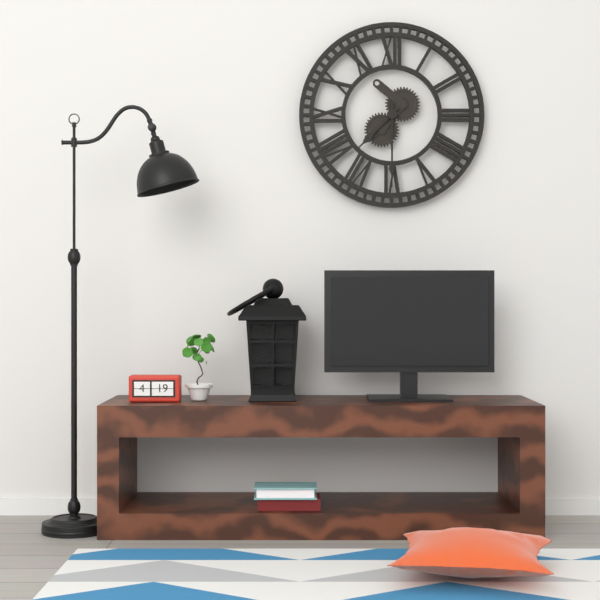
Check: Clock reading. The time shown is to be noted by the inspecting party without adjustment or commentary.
7:30
